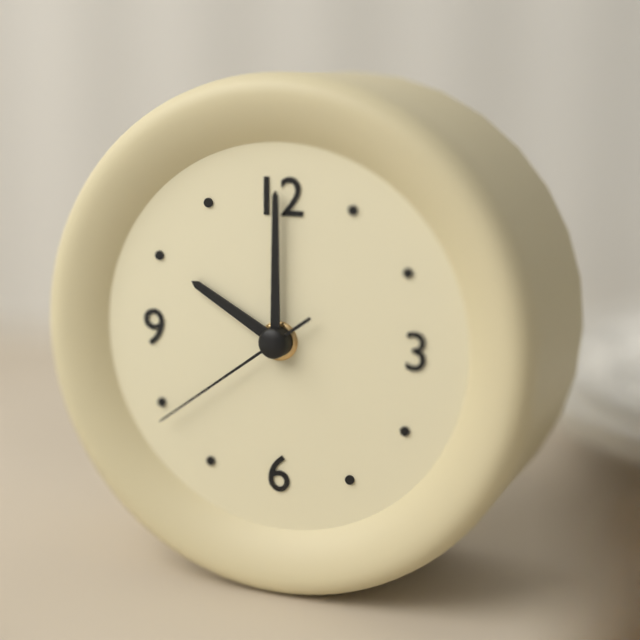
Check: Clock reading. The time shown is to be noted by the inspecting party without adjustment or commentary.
10:00:39
